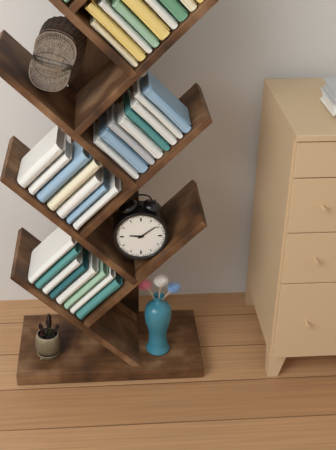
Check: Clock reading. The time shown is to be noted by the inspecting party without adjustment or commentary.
9:09
